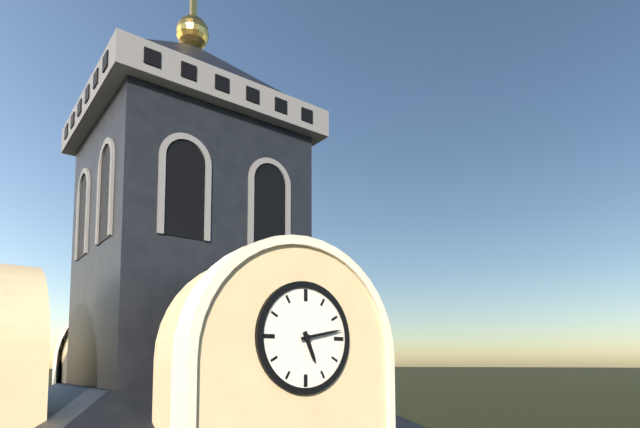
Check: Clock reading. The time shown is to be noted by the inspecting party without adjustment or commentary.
5:13
